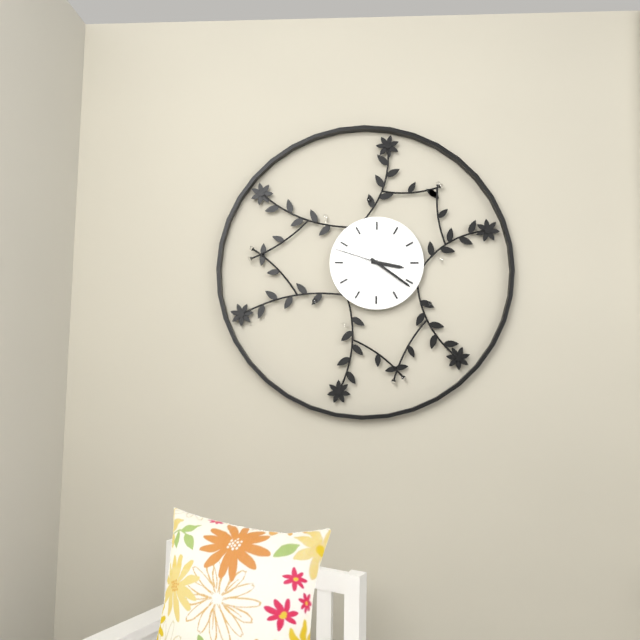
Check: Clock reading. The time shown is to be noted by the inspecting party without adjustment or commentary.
3:21:48
